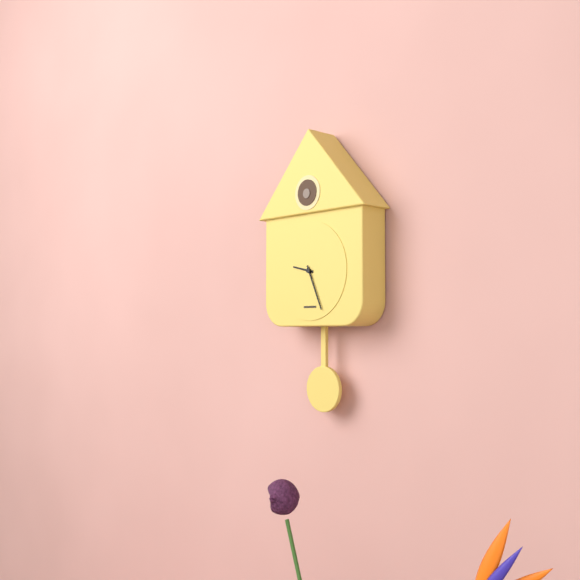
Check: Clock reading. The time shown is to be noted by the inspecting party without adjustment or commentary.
9:26
